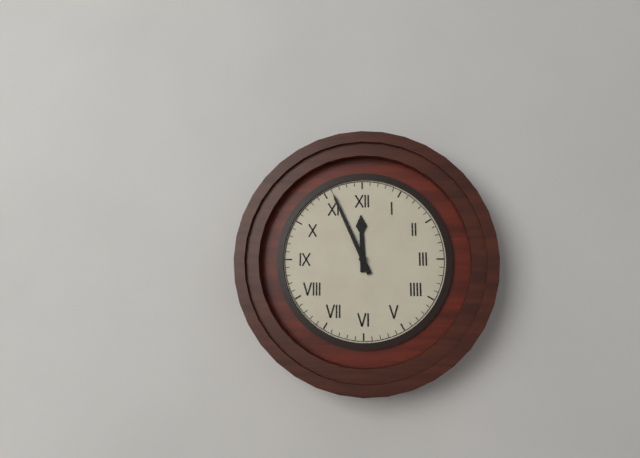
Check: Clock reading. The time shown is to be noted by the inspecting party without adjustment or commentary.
11:56
